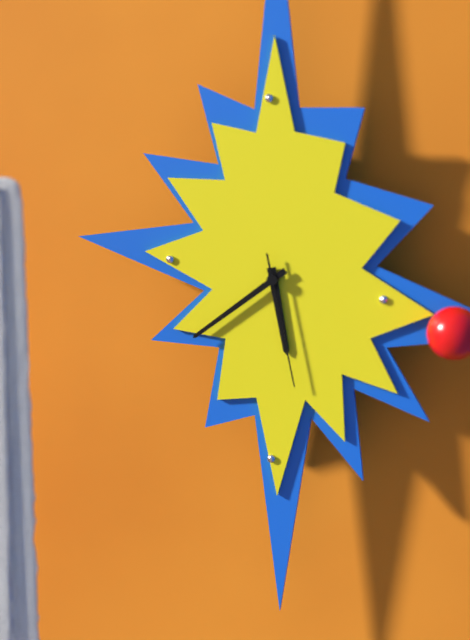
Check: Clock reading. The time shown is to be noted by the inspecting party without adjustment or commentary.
5:39:28
